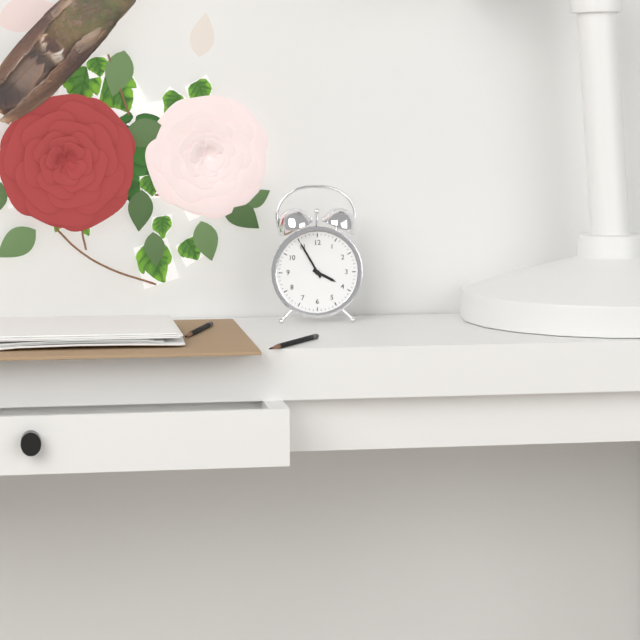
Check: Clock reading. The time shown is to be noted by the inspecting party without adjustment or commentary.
3:55
